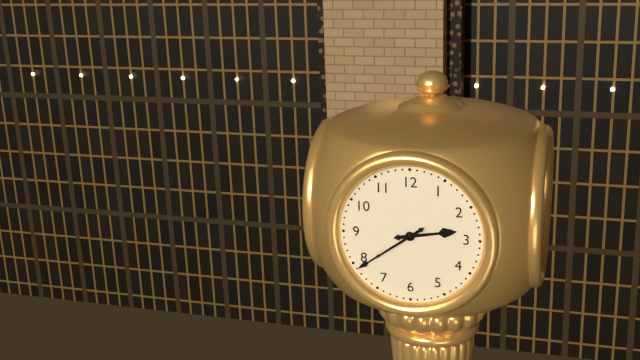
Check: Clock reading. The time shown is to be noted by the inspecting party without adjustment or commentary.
2:39
